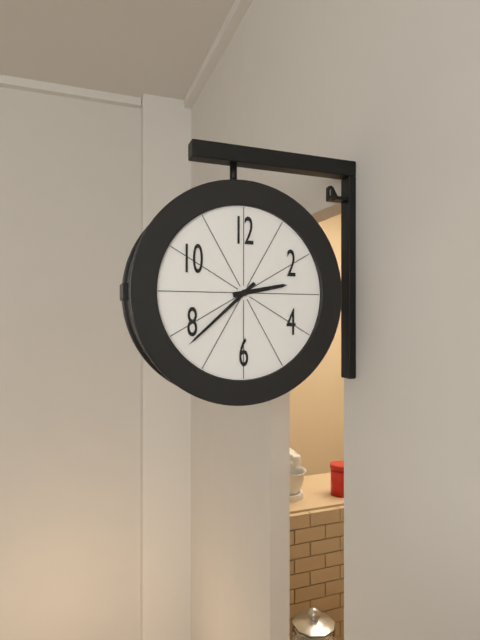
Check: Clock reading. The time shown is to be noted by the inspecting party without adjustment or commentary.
2:38
